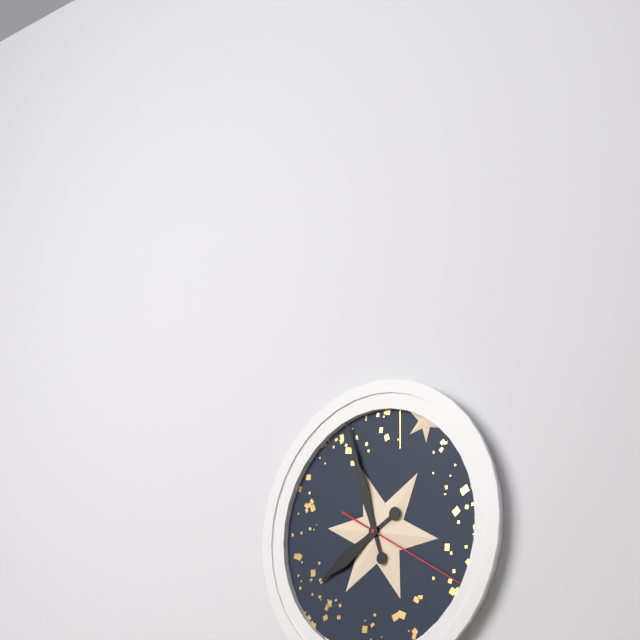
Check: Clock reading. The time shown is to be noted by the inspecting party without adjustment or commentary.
7:57:20
